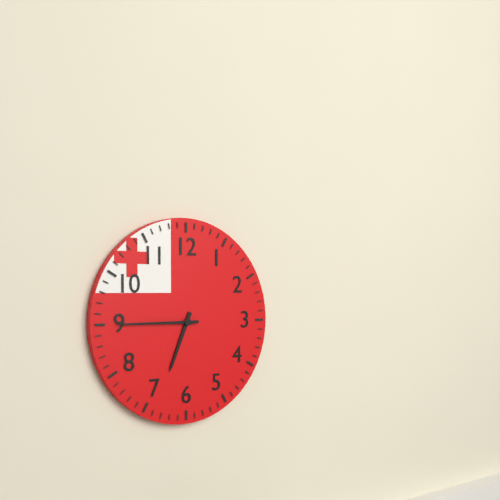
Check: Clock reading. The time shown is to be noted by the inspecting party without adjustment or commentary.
6:45
